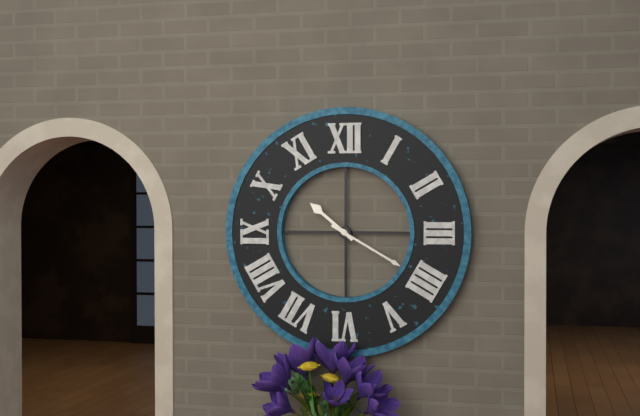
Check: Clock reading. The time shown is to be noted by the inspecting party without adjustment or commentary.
10:20
